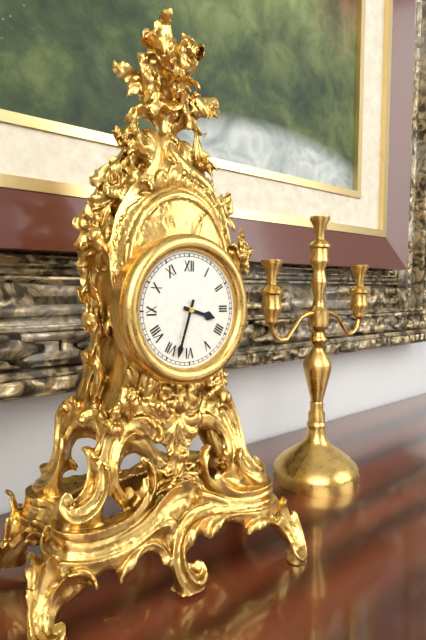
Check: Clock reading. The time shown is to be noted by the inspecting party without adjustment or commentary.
3:33
